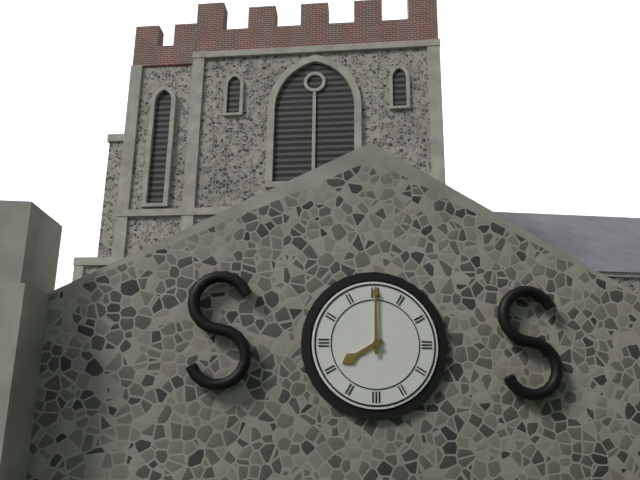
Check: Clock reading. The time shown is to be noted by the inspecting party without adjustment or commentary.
8:00
